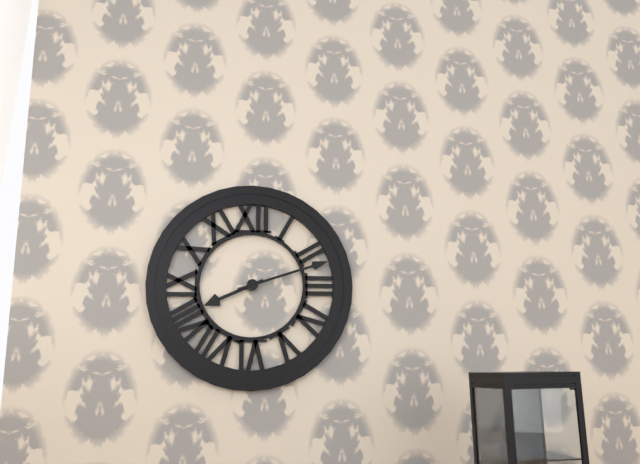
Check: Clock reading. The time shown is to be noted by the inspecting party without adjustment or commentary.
8:12
